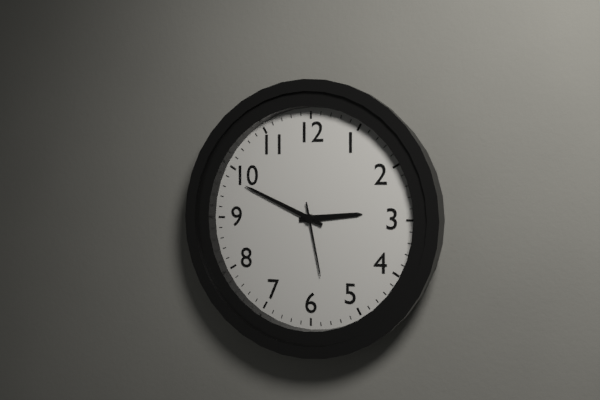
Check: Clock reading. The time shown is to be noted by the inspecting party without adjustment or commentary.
2:49:28
